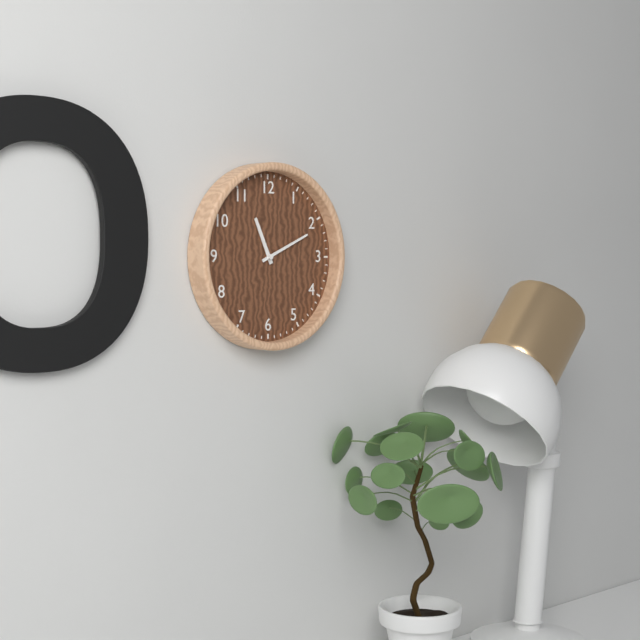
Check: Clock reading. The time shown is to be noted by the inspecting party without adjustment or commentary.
11:11
